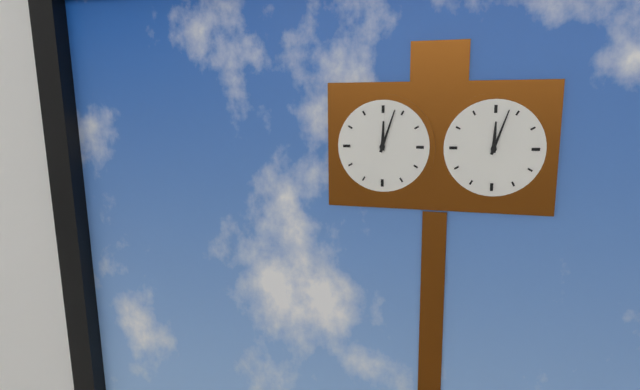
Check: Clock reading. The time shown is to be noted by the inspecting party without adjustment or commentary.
12:03
